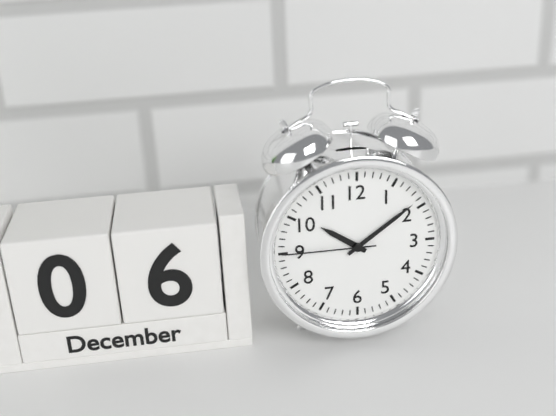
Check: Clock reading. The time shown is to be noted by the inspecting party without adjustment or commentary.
10:09:45
